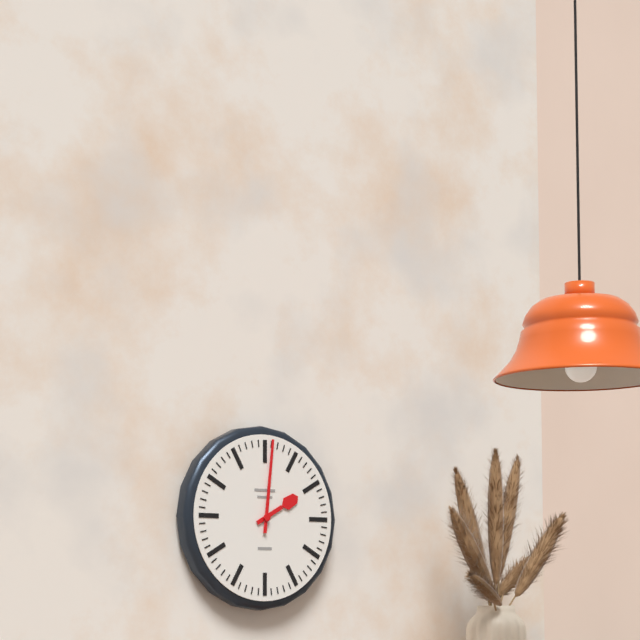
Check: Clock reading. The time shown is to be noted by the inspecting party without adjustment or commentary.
2:01
